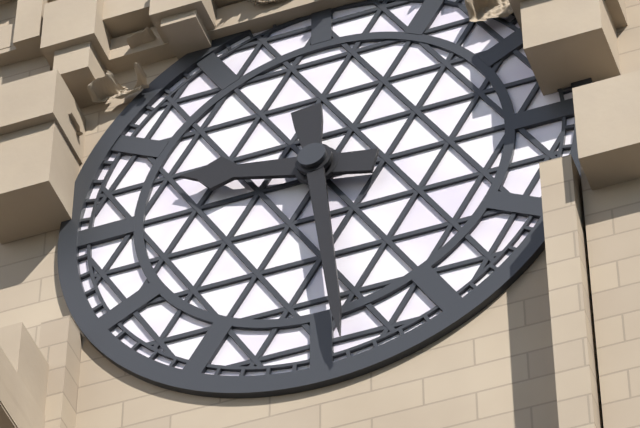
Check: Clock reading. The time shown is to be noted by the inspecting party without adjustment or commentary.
9:29
